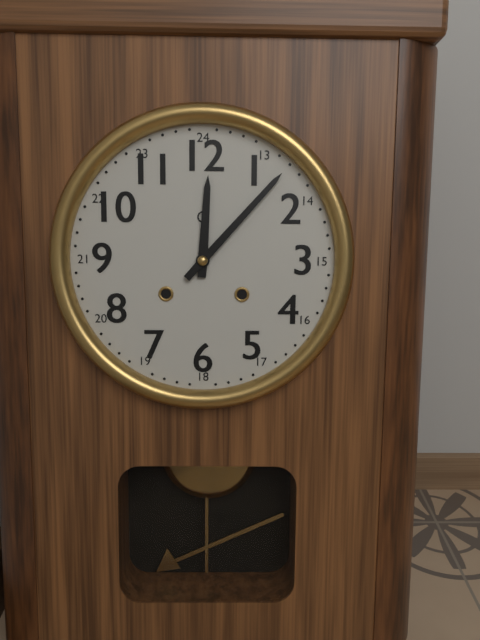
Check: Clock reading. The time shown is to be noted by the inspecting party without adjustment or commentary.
12:07
